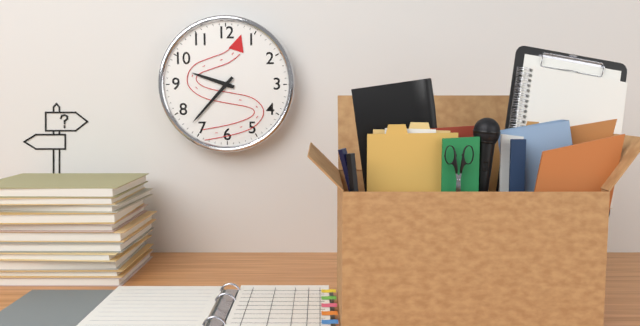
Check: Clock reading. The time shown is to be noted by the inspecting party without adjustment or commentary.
9:37
